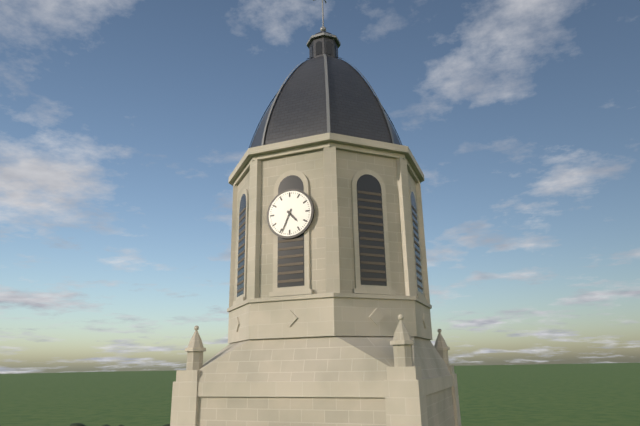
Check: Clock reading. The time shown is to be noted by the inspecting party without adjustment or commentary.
4:34
